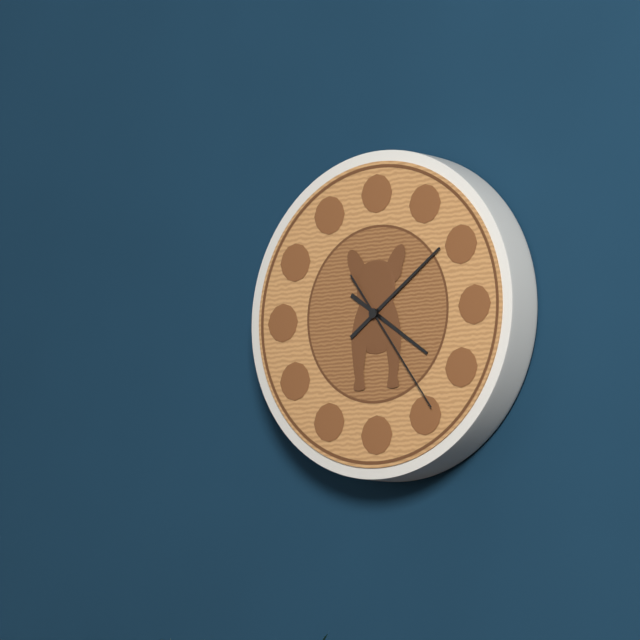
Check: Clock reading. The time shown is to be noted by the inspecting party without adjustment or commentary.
4:09:24
